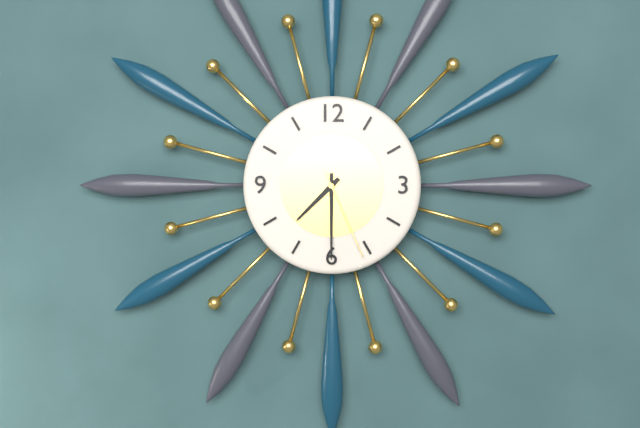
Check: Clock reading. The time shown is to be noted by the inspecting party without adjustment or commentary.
7:30:26
